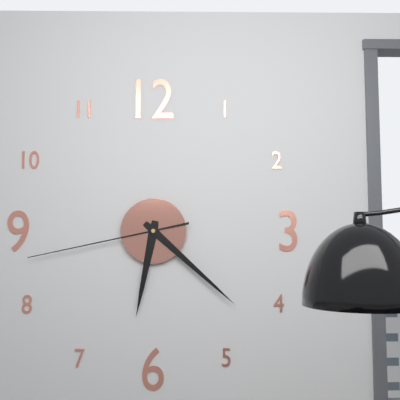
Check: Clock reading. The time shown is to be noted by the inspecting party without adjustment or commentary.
6:22:43
